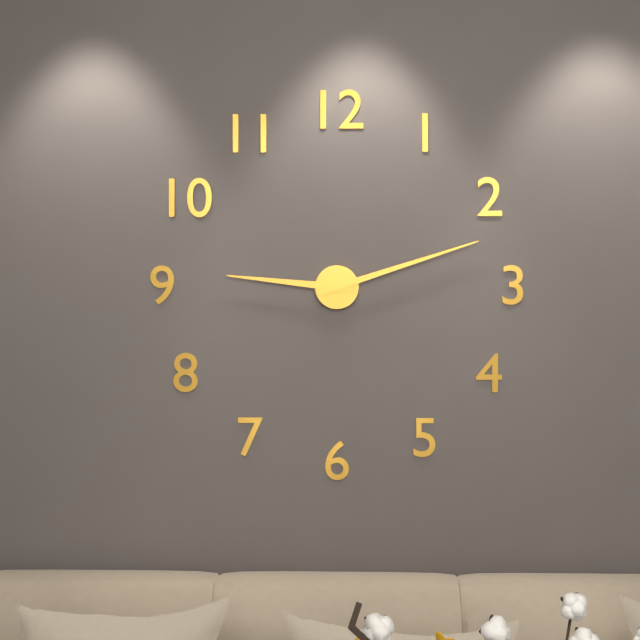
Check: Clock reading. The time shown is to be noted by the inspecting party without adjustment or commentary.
9:12
